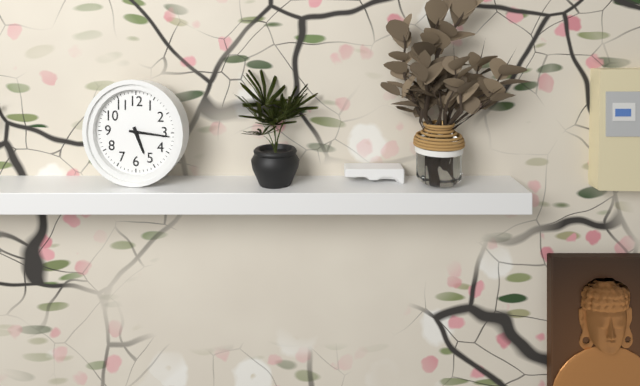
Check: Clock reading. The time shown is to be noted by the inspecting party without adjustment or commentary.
5:16
